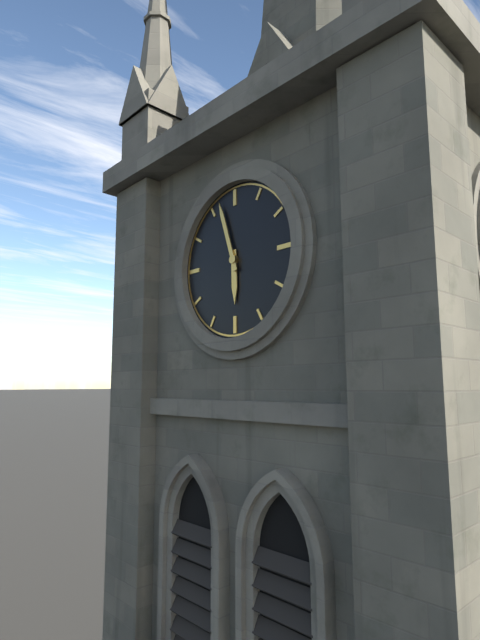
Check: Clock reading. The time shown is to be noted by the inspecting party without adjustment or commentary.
5:57
